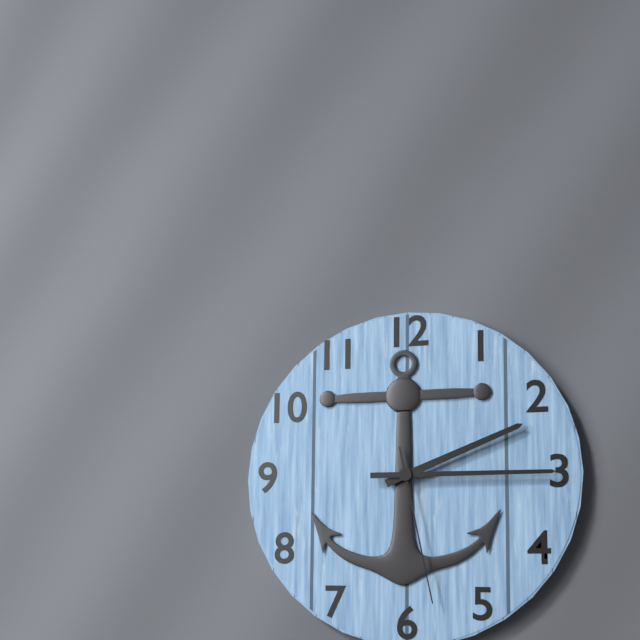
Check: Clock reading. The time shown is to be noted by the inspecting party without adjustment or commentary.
2:15:28
